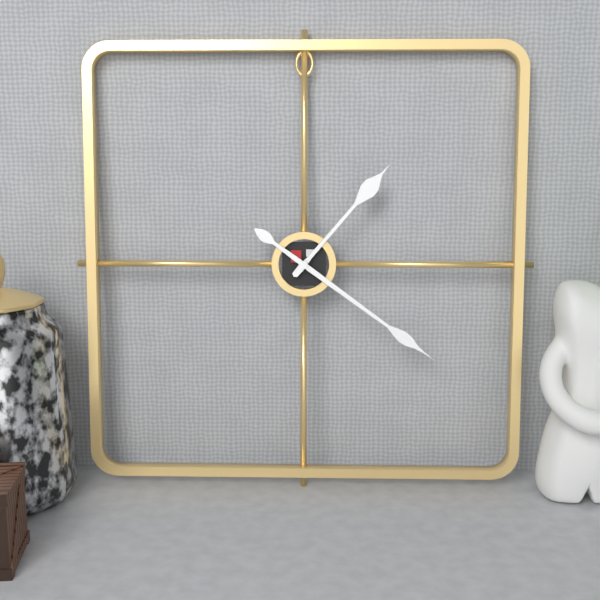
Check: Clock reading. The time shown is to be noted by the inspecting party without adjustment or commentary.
1:21
